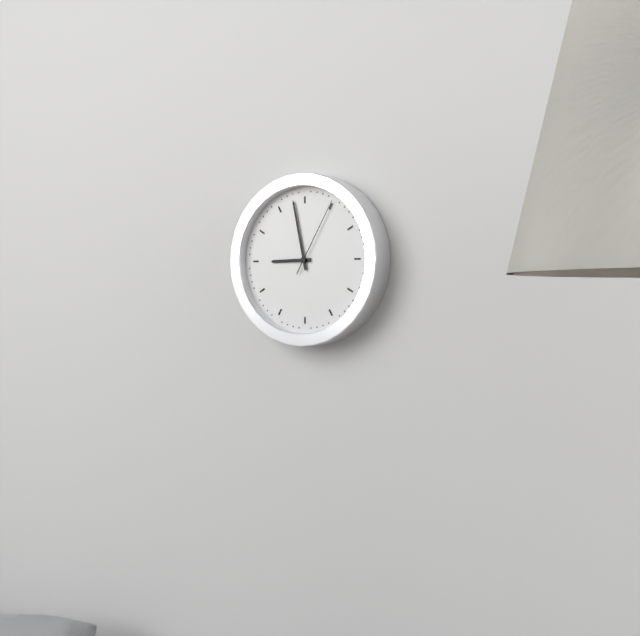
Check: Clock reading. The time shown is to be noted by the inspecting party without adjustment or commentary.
8:58:05
